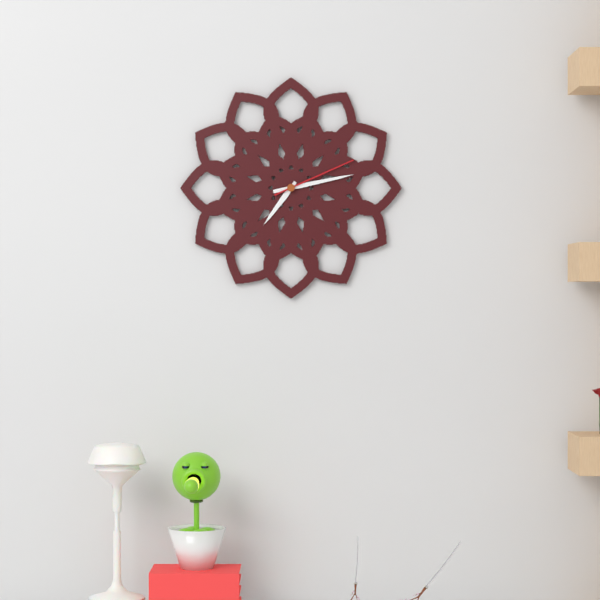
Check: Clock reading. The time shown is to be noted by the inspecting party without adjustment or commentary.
7:13:11
